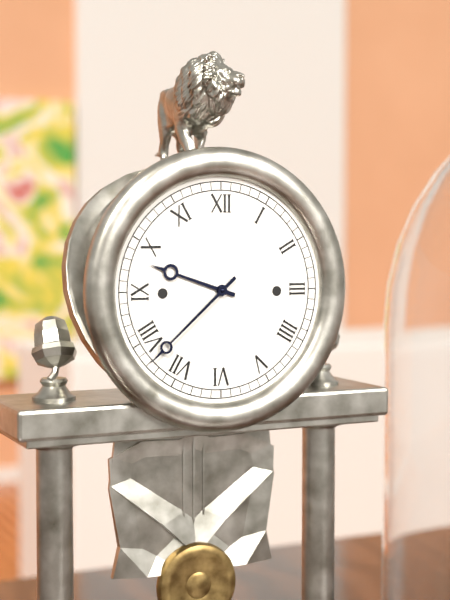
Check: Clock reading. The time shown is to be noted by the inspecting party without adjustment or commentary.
9:38
